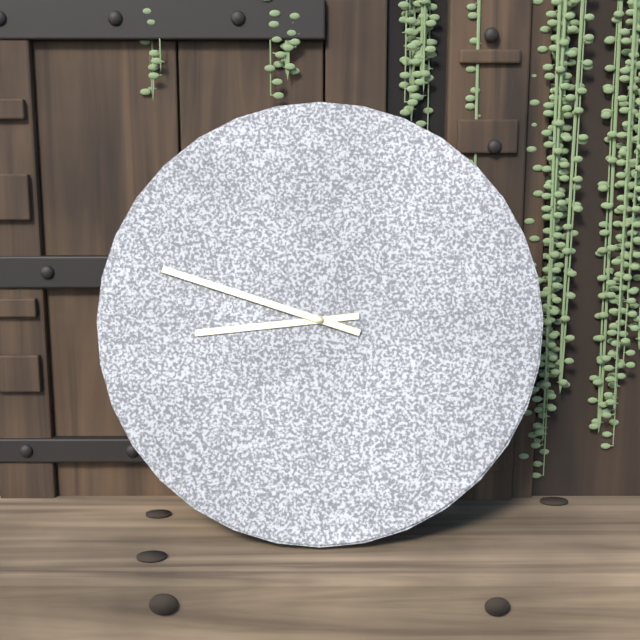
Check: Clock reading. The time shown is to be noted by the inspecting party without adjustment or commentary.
8:48
